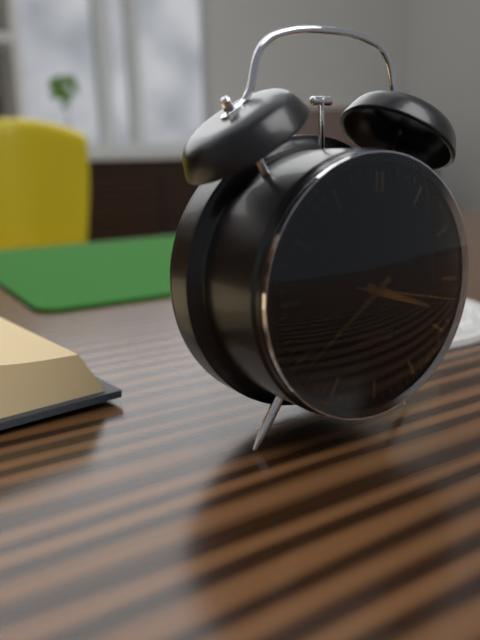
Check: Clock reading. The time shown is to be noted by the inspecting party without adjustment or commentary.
3:39:17
